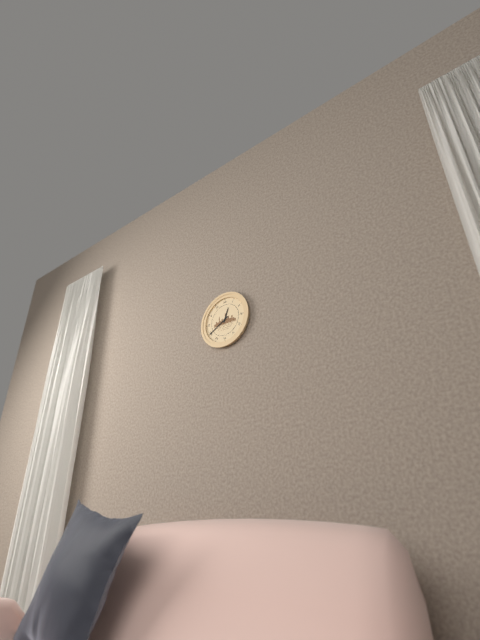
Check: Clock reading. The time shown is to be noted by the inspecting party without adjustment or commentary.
12:40
